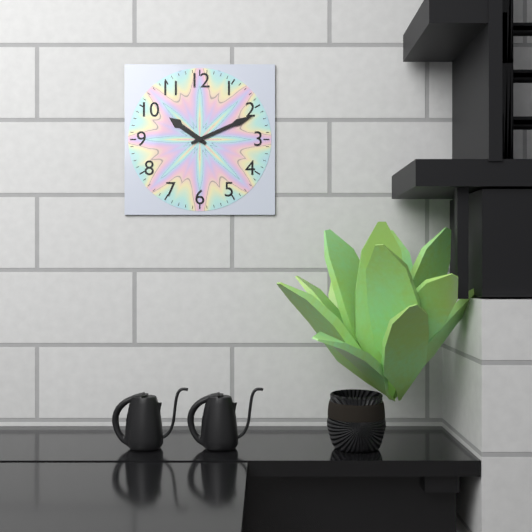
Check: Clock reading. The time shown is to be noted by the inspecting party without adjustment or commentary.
10:11
